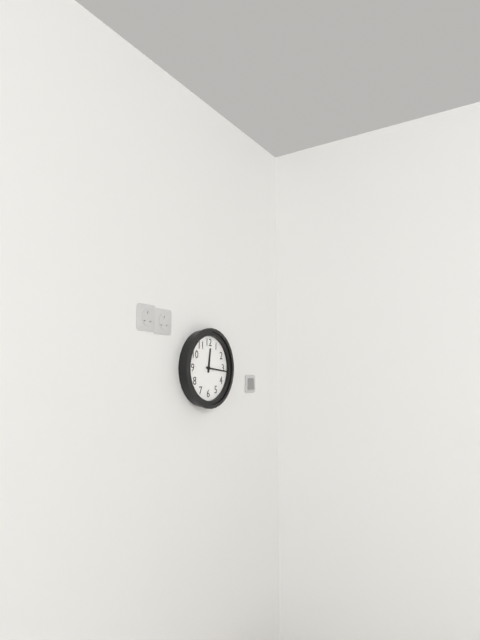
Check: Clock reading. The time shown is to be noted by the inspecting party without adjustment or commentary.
12:16
